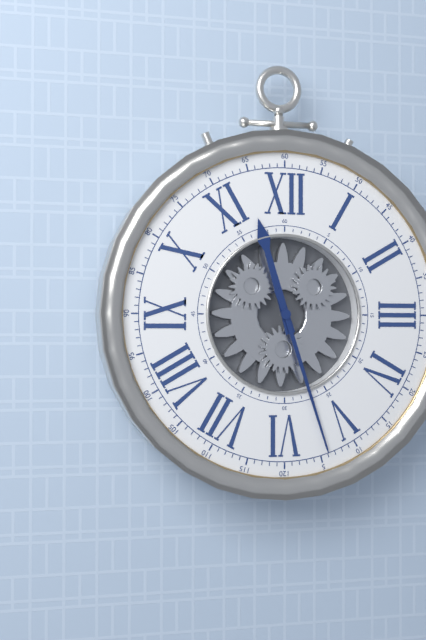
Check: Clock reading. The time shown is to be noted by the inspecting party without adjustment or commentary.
11:27
